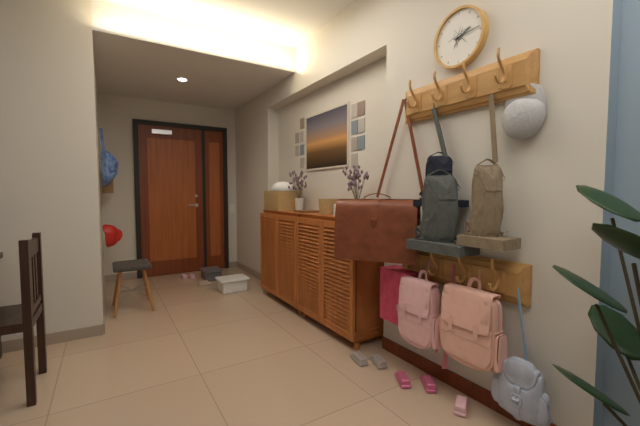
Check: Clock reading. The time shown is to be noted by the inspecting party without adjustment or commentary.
2:14
